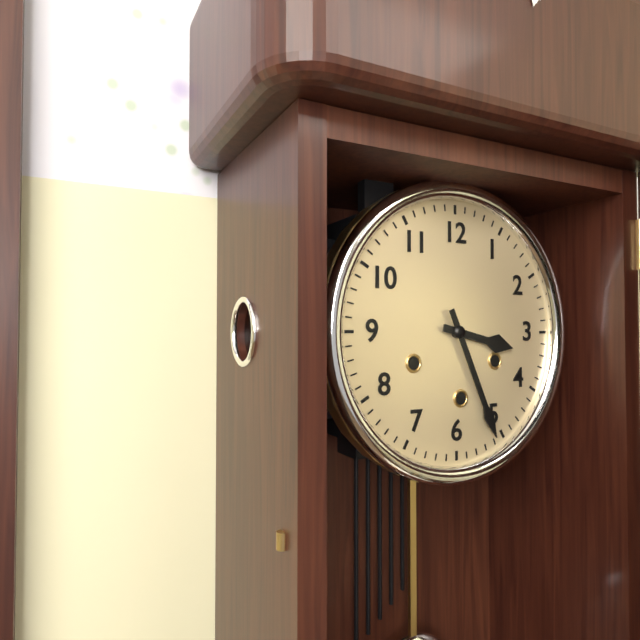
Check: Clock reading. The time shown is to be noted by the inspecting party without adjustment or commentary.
3:26
